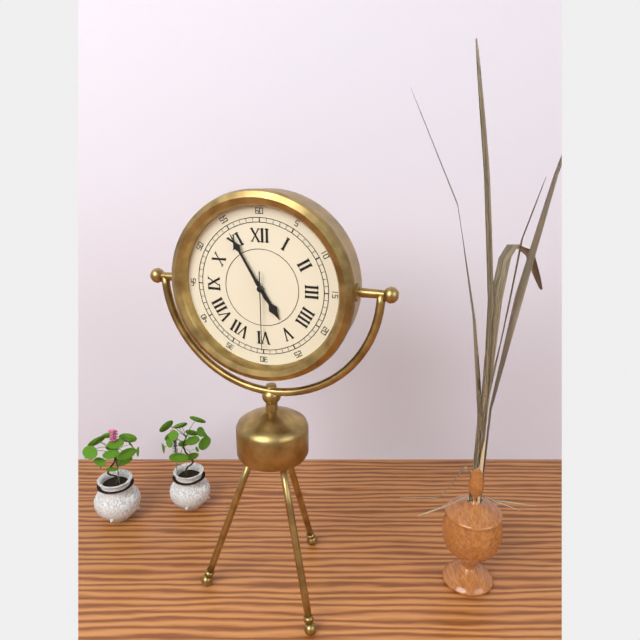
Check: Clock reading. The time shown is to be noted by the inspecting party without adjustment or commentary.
4:55:30
